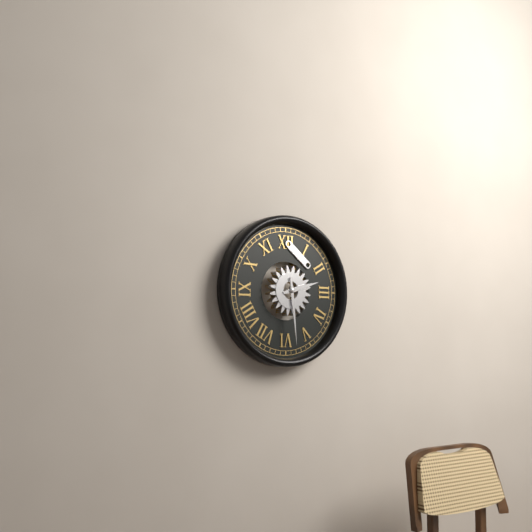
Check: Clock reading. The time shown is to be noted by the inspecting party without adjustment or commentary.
2:29
